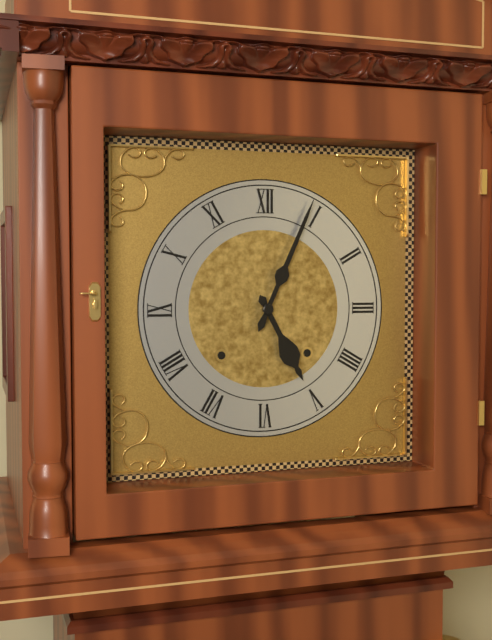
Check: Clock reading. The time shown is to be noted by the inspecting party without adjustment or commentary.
5:04
